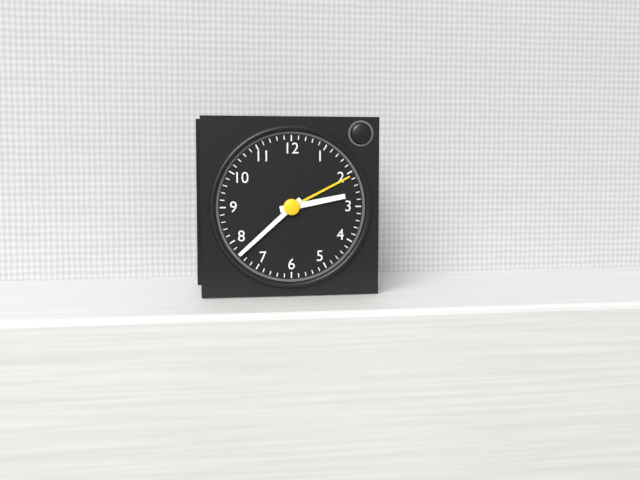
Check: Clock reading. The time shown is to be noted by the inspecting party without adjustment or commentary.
2:38
